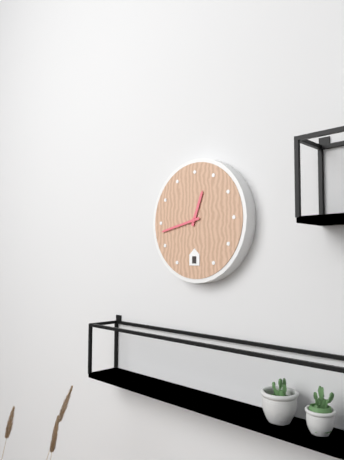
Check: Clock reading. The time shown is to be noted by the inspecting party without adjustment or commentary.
12:43
